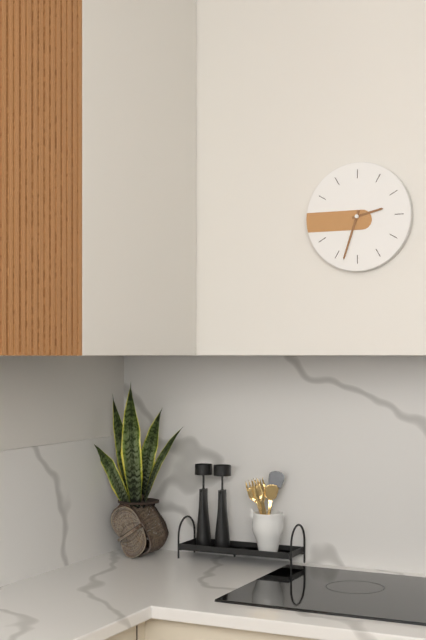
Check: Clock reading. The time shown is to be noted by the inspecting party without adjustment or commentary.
2:33
